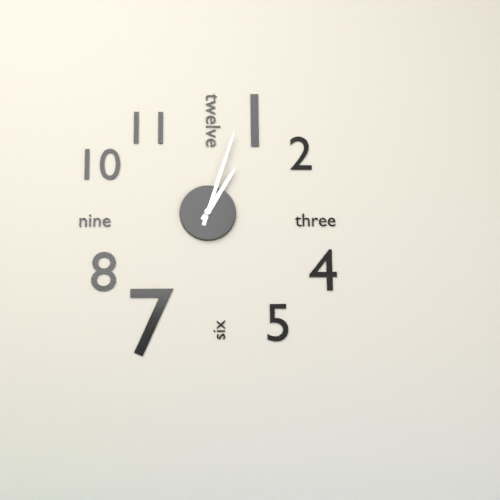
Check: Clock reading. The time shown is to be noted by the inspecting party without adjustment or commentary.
1:03
